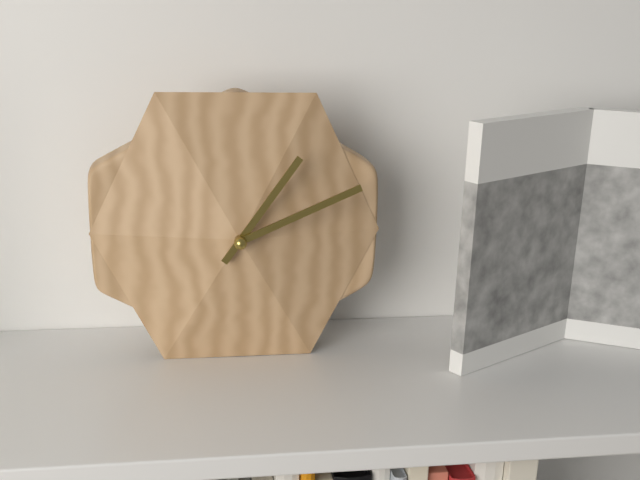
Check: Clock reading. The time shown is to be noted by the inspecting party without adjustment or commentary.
1:11
